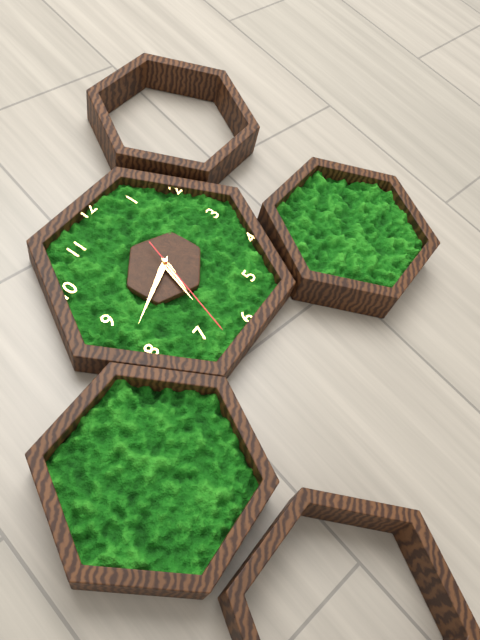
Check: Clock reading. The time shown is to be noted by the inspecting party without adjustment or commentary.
6:42:33
